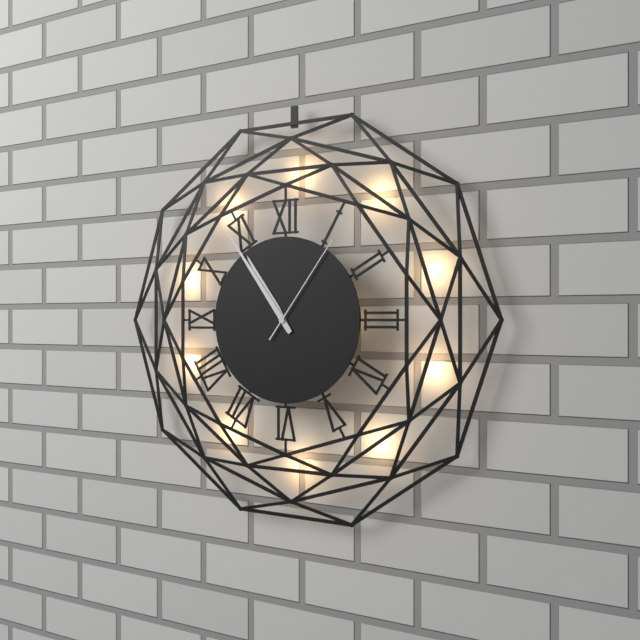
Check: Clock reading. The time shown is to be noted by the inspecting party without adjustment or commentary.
10:54:06
